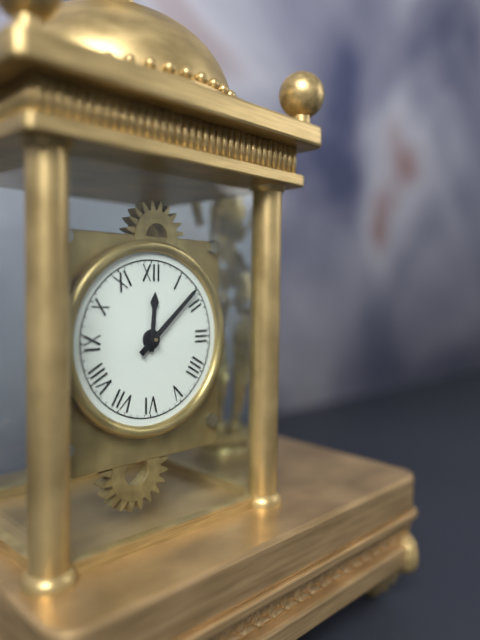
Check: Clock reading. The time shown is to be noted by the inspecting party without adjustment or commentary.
12:08
